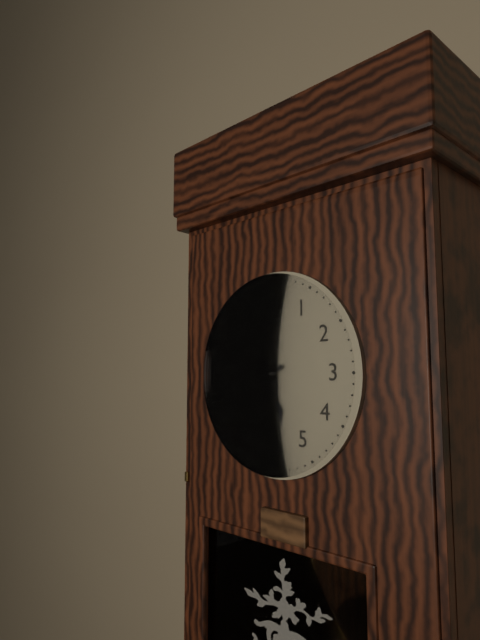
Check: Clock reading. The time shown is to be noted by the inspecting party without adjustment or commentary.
5:40
